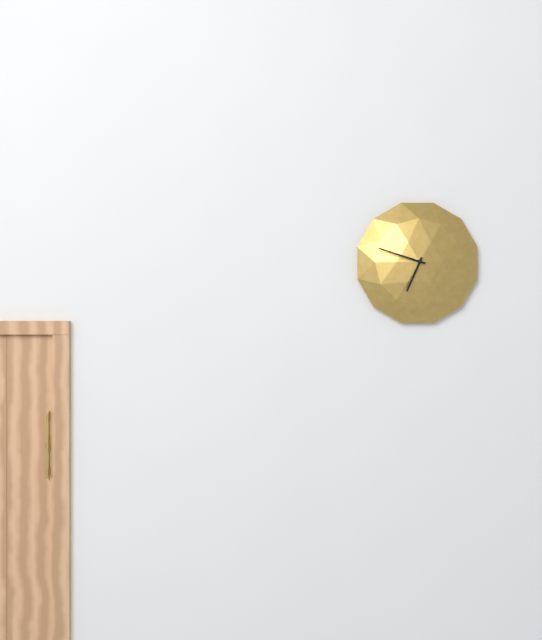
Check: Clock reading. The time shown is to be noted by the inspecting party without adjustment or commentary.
6:48
